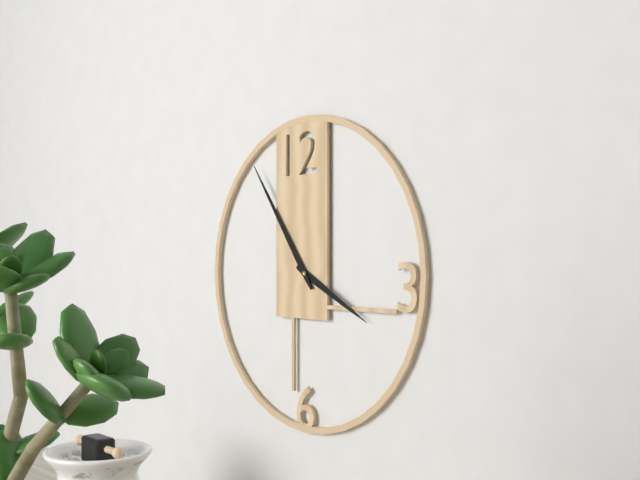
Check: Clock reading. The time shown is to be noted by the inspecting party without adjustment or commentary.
3:54
